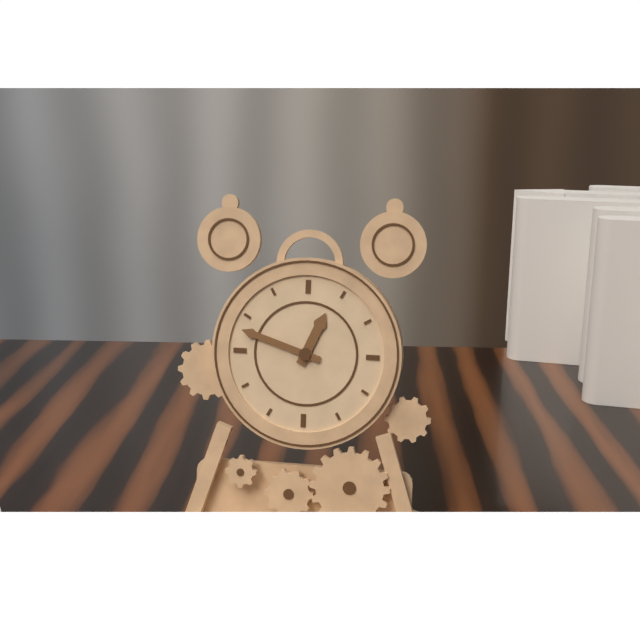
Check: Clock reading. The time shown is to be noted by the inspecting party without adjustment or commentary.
12:48
